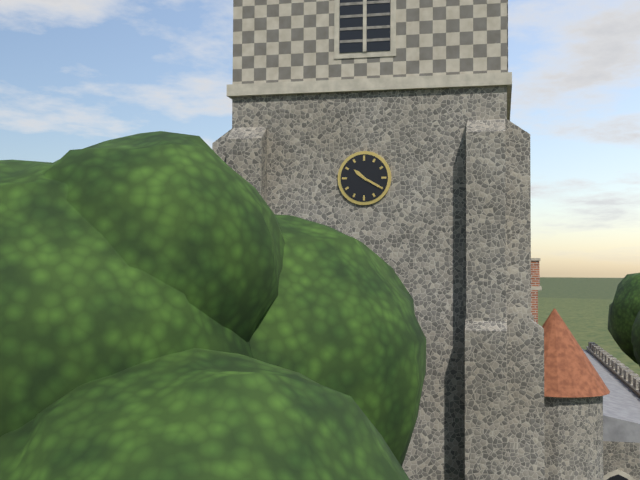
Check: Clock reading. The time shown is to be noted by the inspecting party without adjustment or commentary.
10:20
